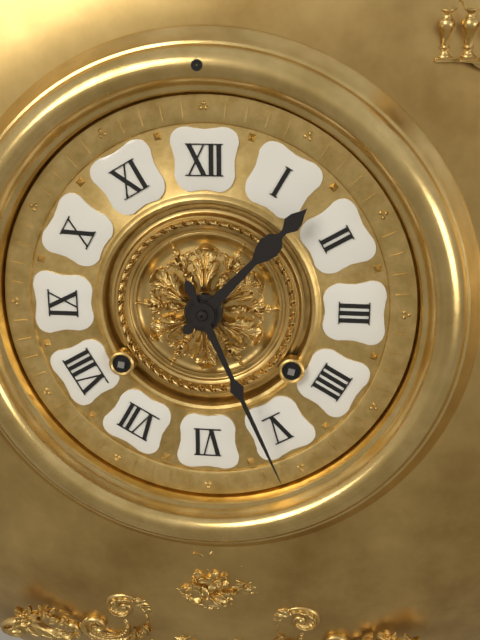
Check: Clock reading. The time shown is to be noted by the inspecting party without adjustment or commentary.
1:26
